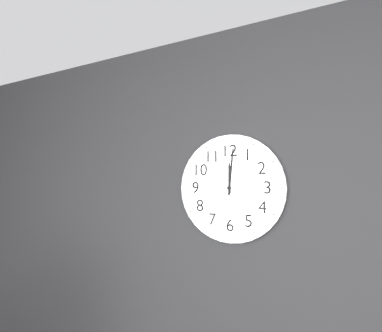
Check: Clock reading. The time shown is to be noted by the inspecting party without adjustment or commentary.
12:01
